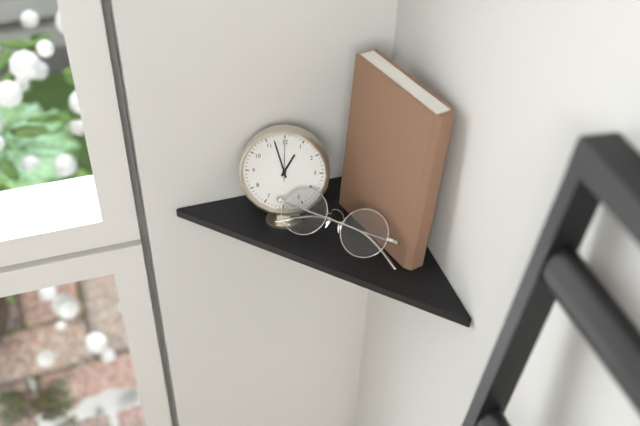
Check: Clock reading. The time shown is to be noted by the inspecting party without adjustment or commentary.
12:57
